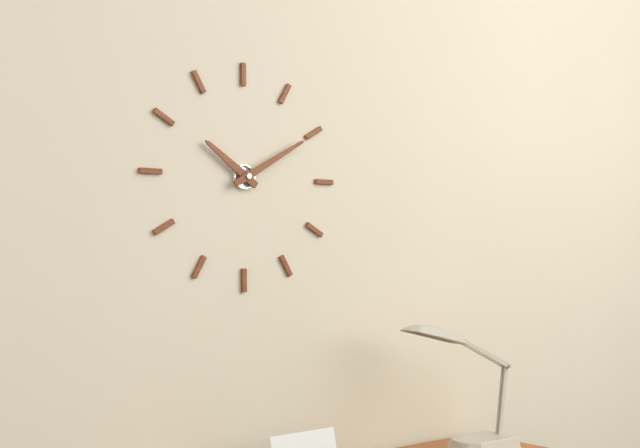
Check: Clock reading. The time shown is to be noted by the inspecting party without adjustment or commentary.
10:10
